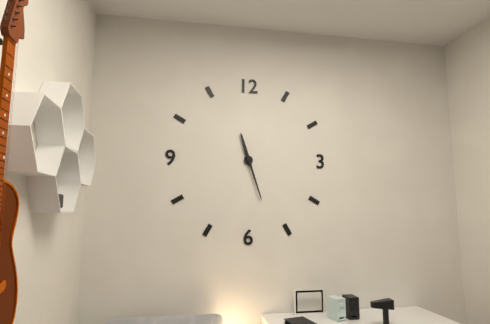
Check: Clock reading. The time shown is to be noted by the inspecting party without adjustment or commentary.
11:27
